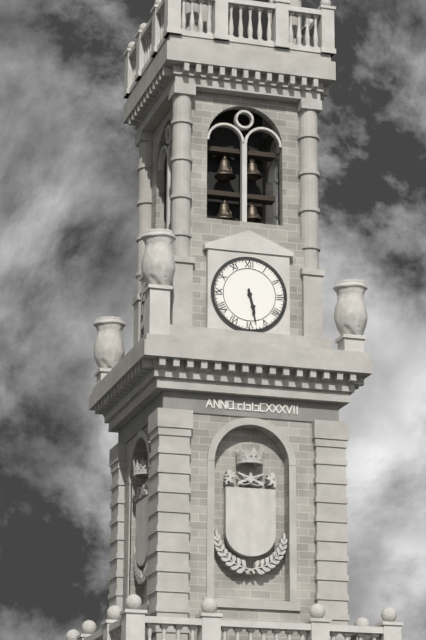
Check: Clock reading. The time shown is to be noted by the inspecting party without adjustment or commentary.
5:28
